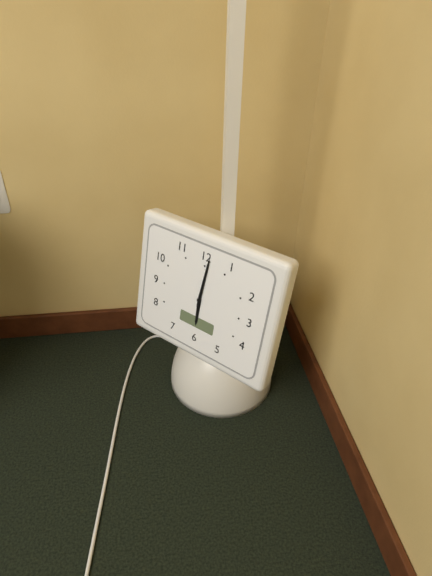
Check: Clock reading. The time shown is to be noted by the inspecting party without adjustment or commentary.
6:01
